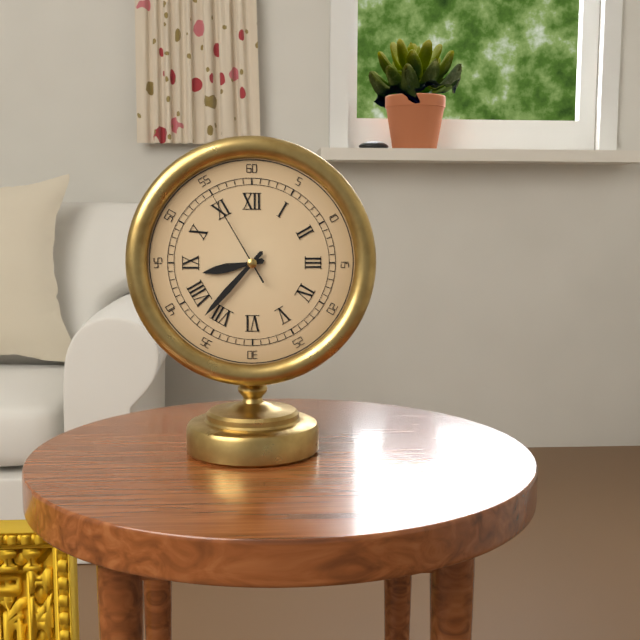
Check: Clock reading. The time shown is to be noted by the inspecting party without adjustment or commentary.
8:37:55
